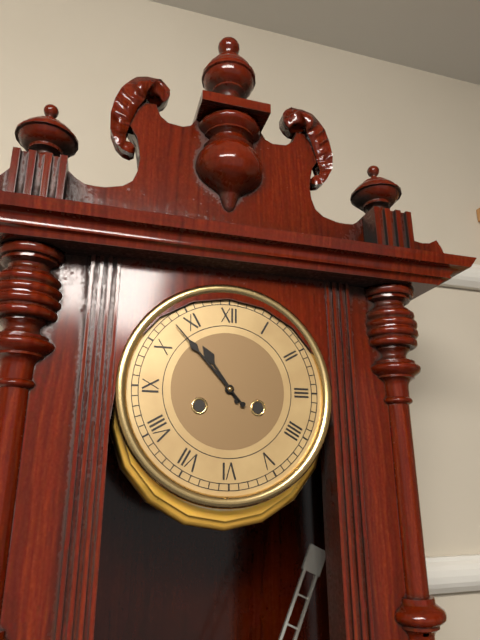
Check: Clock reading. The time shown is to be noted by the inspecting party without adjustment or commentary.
10:53
